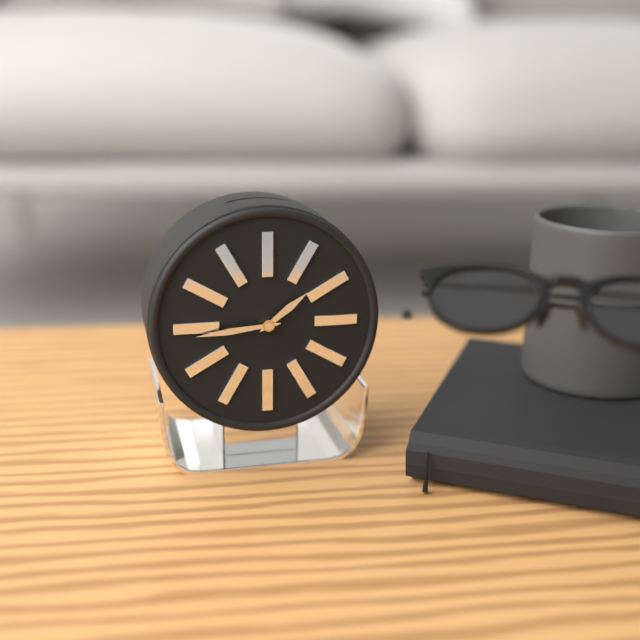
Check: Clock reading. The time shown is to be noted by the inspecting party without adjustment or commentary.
1:44
